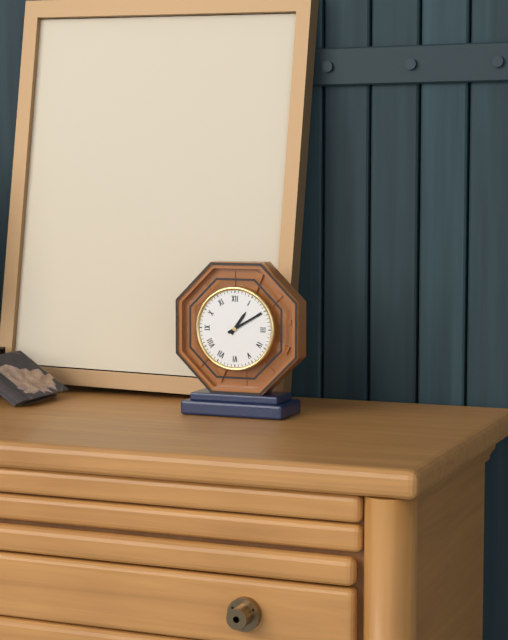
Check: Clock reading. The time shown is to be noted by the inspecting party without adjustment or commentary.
1:10
